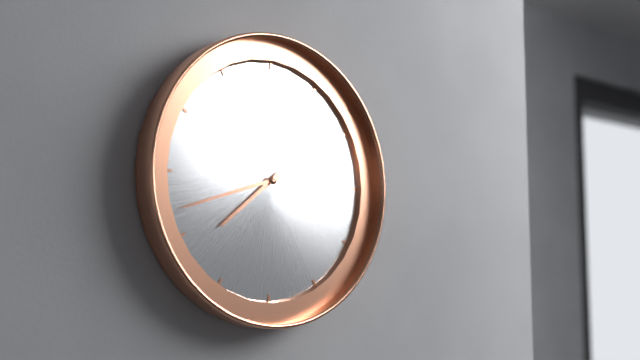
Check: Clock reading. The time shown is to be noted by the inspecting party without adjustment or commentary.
7:42
